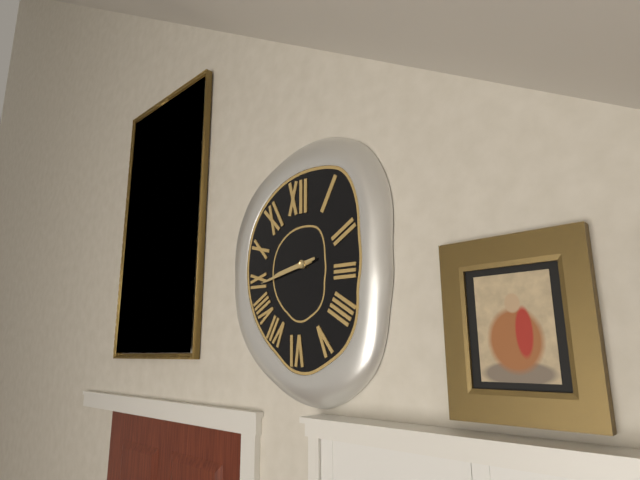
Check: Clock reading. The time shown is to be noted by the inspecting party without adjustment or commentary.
8:43
